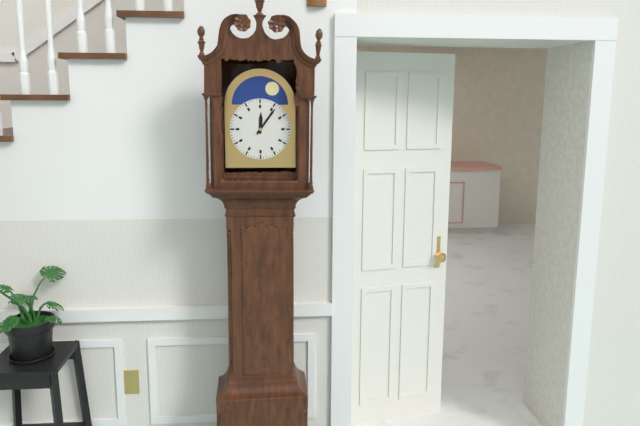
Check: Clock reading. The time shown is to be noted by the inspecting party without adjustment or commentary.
12:06
